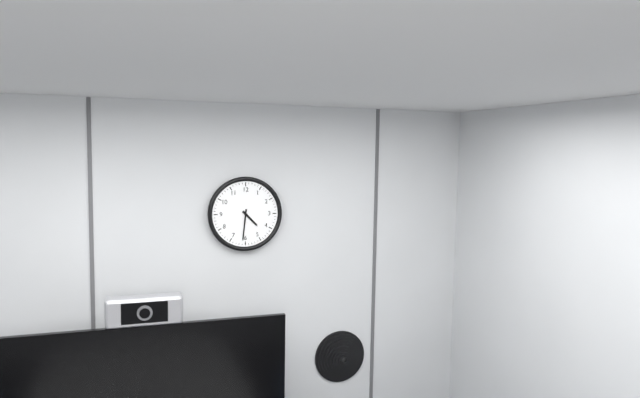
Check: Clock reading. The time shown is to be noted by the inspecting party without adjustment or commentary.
4:31
